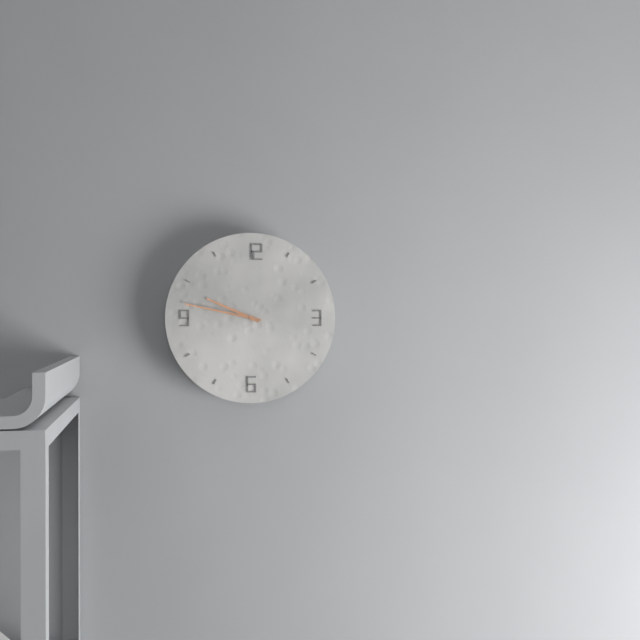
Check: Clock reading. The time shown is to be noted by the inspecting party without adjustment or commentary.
9:47
